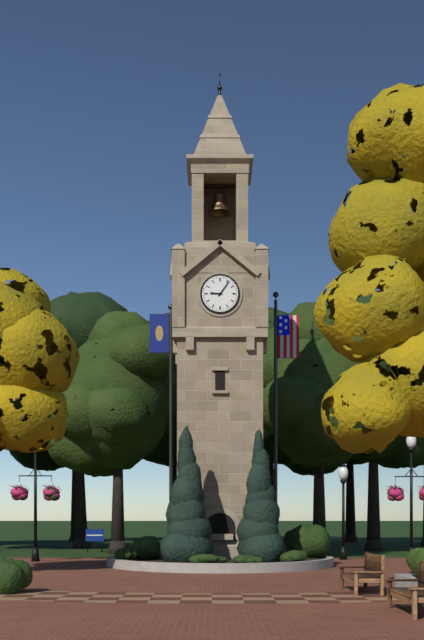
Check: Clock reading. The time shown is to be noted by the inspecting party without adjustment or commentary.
9:06
